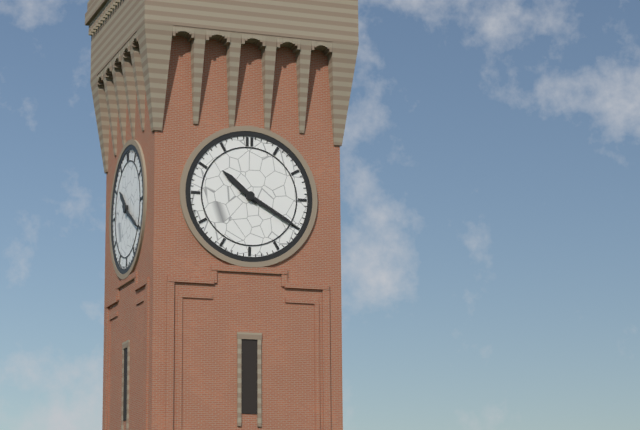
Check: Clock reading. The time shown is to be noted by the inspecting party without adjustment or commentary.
10:20
